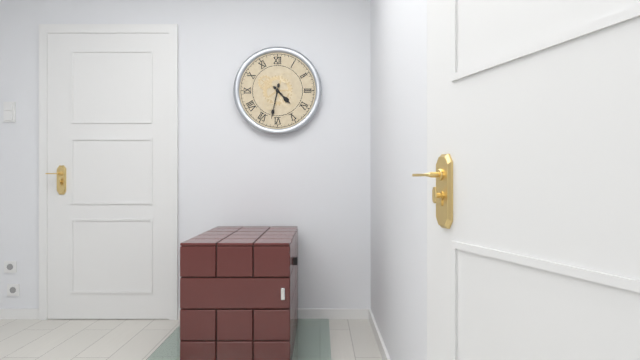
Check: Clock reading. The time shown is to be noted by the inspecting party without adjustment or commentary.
4:32
